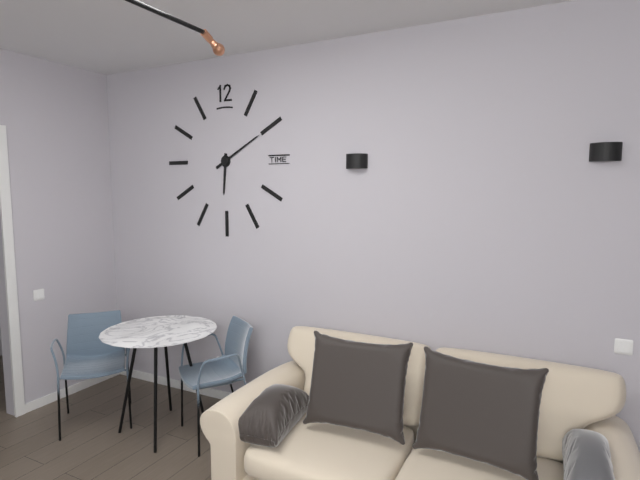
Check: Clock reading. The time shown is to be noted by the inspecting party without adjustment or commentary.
6:10
